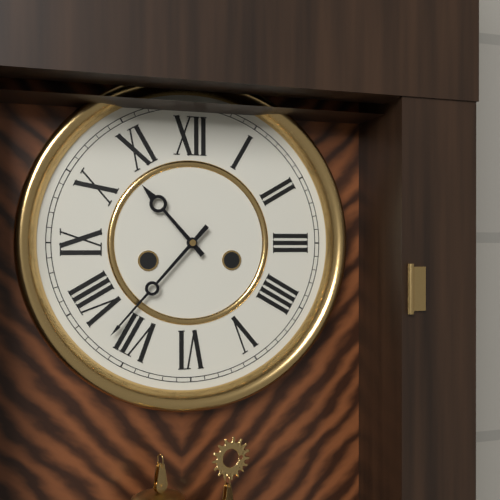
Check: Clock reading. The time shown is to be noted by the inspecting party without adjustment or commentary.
10:37
